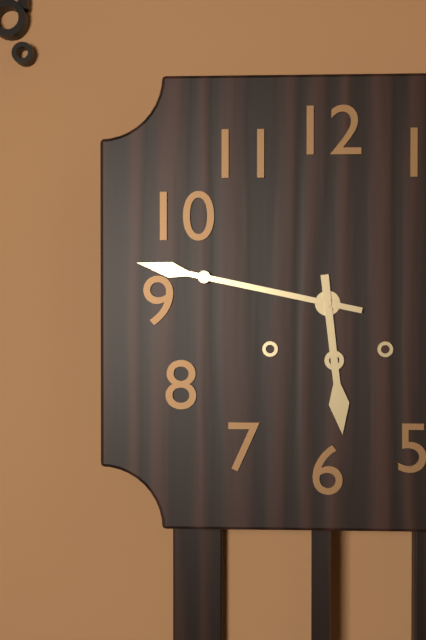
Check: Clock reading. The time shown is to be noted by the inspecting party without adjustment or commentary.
5:47
